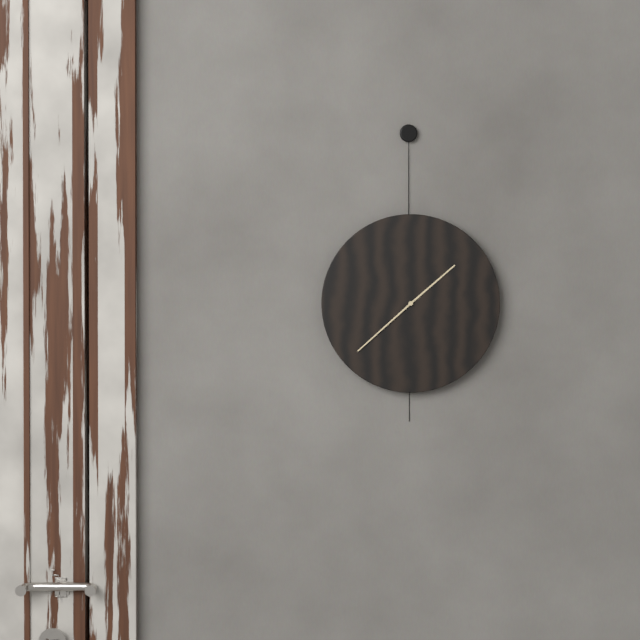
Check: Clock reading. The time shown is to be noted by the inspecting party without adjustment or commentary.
1:38
